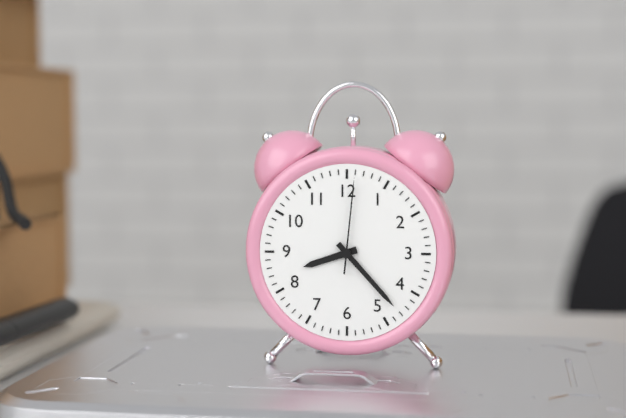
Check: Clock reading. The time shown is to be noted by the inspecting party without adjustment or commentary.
8:23:01
